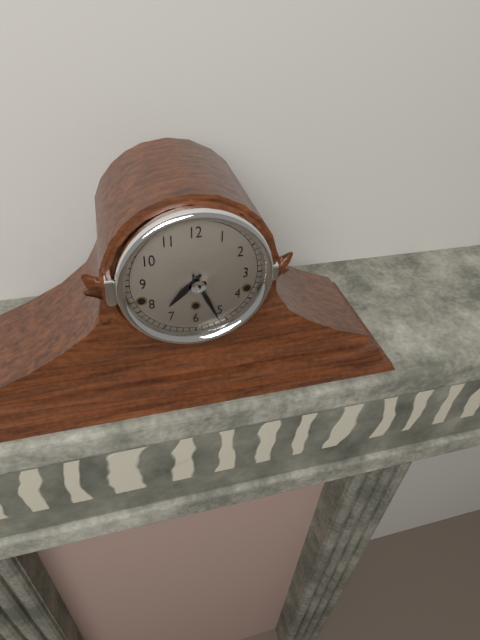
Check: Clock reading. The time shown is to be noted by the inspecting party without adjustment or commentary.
7:26
